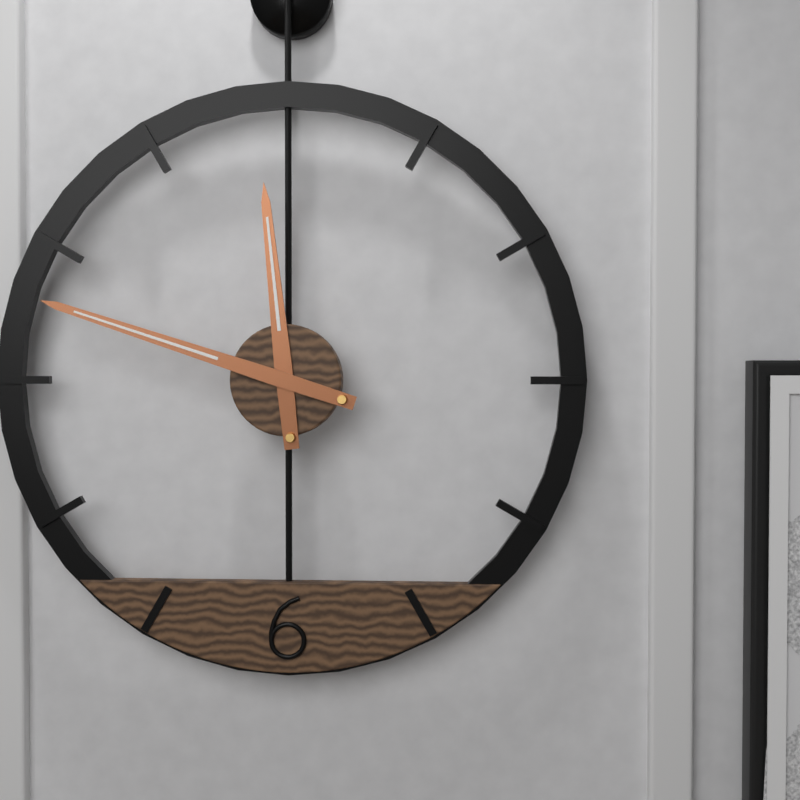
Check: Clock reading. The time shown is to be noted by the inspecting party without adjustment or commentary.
11:48
